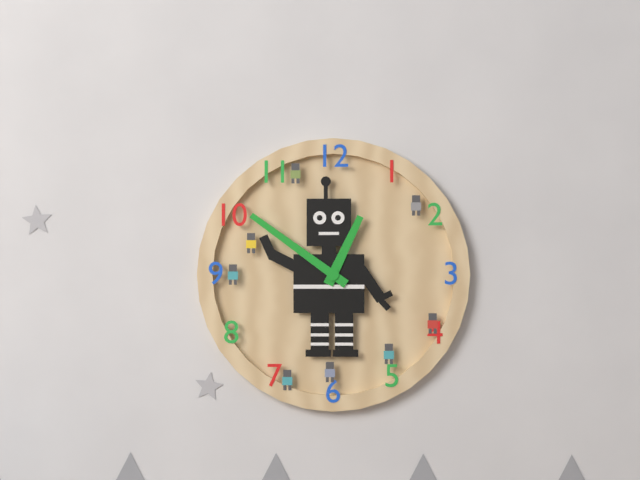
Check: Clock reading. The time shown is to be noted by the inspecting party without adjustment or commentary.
12:51
